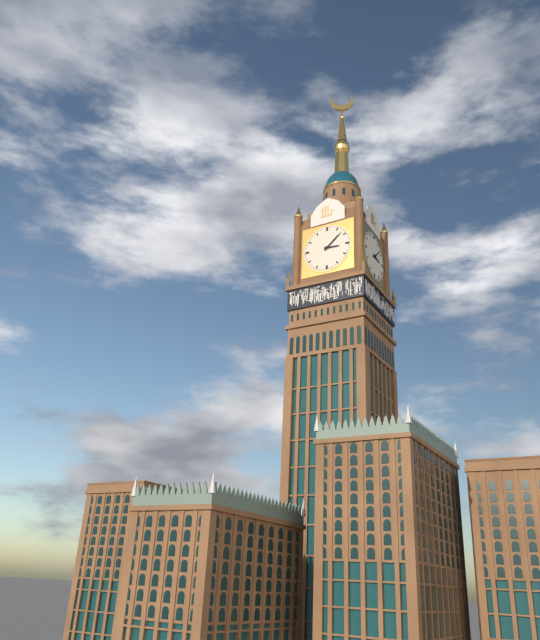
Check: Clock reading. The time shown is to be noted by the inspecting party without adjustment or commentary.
3:08
